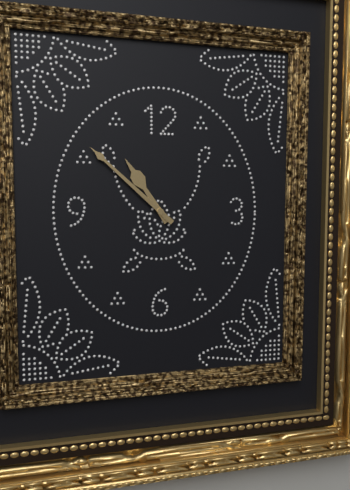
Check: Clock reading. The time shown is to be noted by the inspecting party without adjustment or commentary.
10:52
